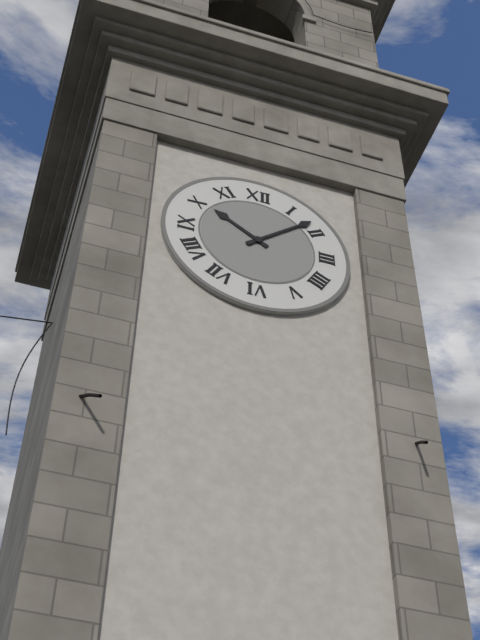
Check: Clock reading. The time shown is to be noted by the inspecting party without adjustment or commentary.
10:08
